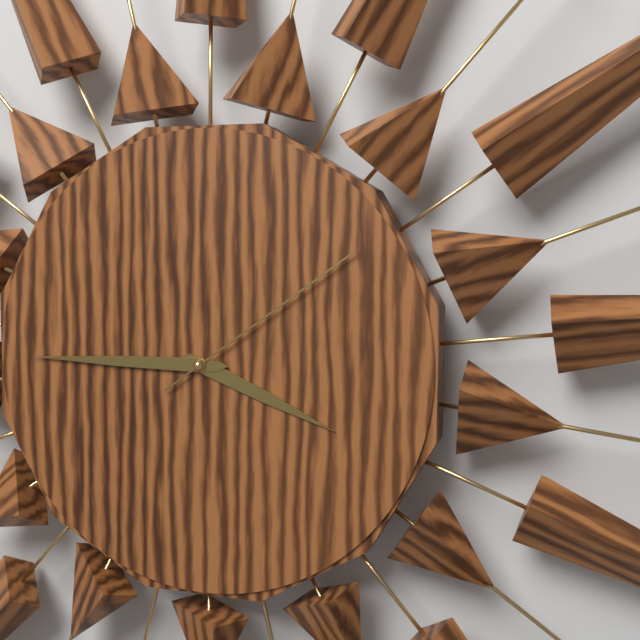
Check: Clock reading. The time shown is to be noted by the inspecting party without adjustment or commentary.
3:45:09
